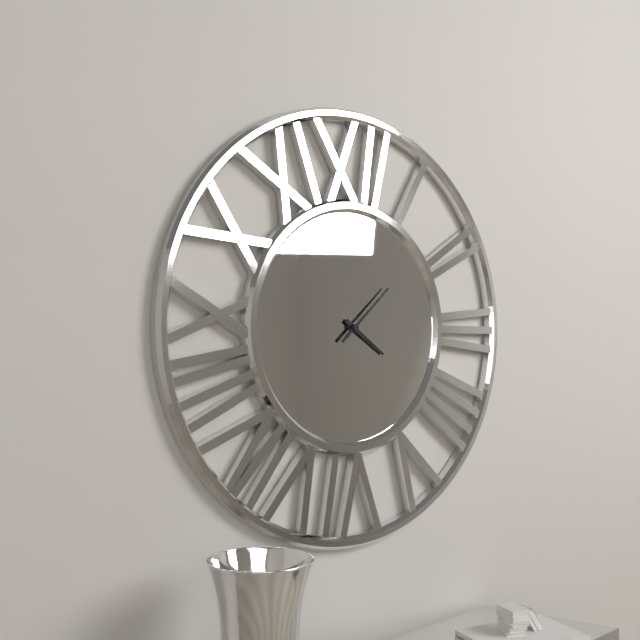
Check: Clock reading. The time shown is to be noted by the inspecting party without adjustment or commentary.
4:08
